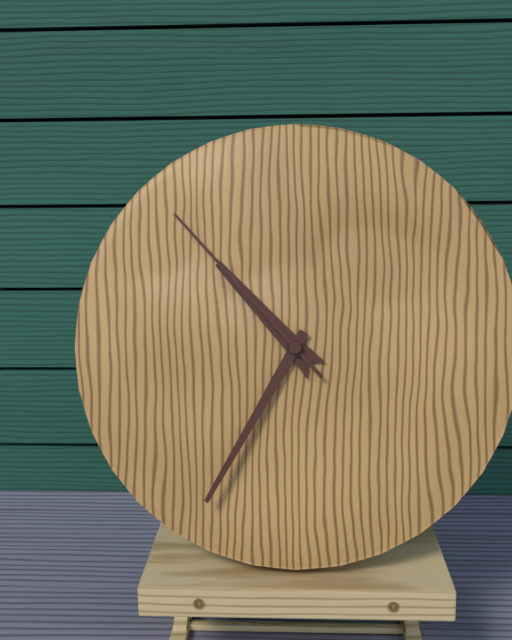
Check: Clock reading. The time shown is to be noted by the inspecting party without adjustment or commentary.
10:35:53
